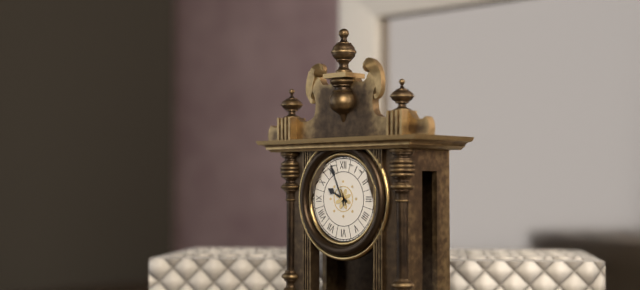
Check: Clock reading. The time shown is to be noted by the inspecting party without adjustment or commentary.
9:56
